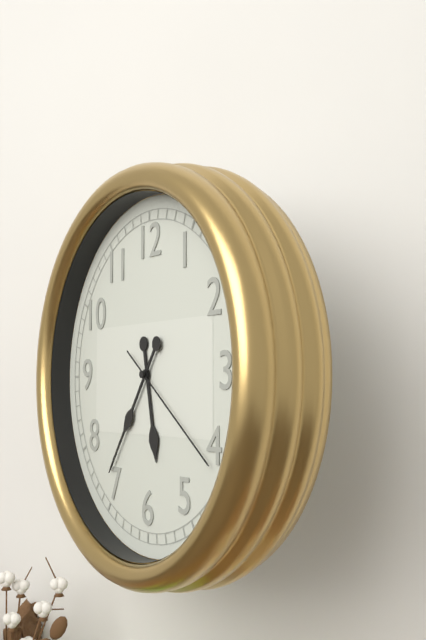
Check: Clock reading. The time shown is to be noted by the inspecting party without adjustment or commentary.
5:36:21
